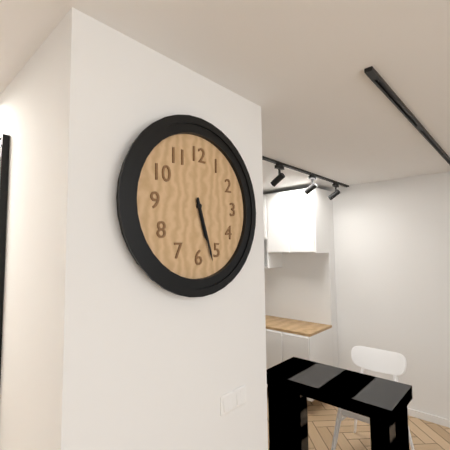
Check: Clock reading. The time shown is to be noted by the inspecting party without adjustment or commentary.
5:27
